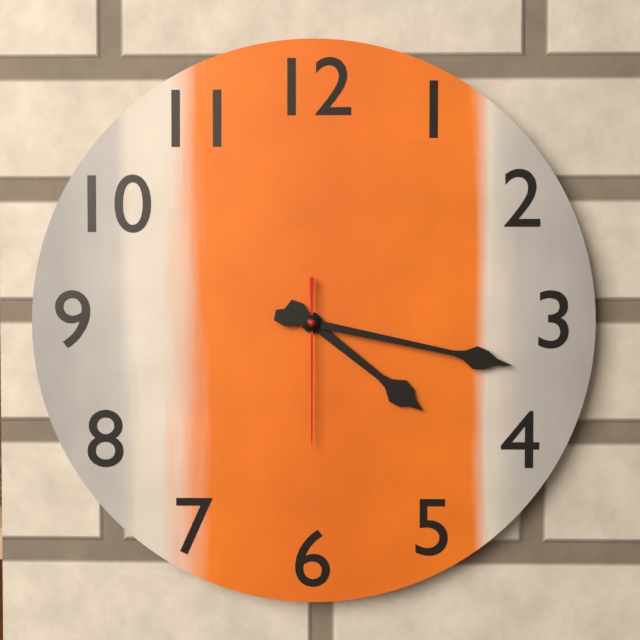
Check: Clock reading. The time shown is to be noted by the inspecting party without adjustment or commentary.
4:17:30
